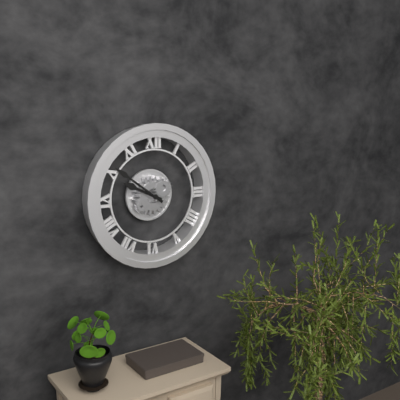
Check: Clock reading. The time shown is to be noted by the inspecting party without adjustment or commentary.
9:51
